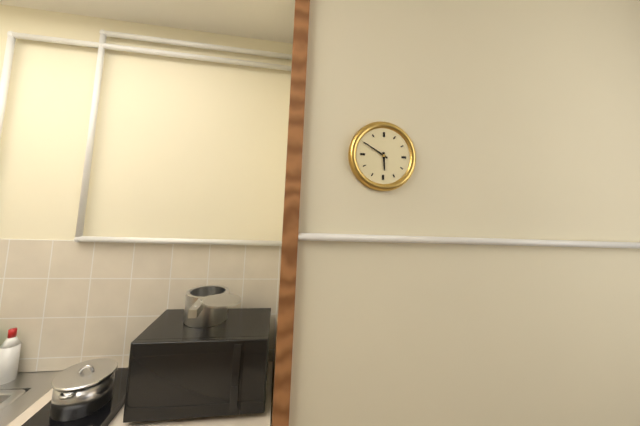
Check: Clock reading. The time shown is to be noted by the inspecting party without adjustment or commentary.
5:50
